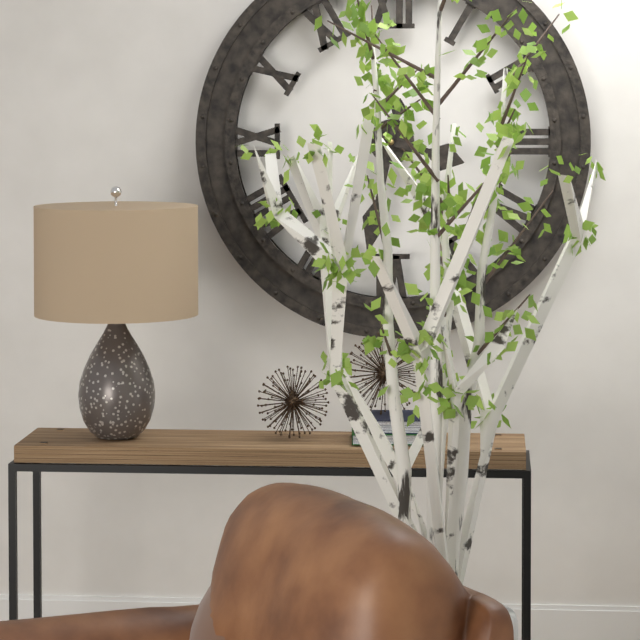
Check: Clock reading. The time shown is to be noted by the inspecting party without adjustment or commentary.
3:32
